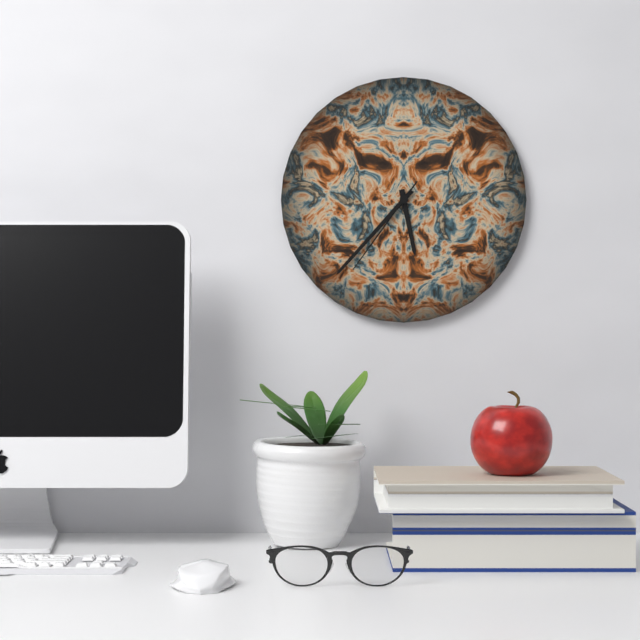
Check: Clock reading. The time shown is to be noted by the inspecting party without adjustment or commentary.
5:37:36
